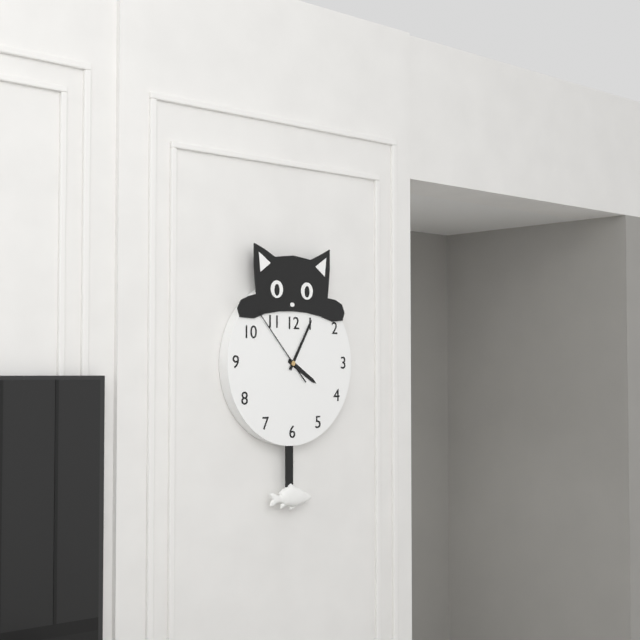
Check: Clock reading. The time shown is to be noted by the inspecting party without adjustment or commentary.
4:05:53
